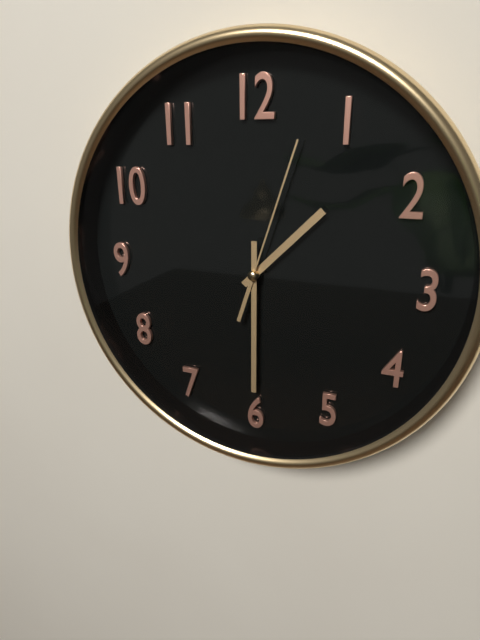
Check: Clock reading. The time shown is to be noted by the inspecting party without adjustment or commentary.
1:30:03
